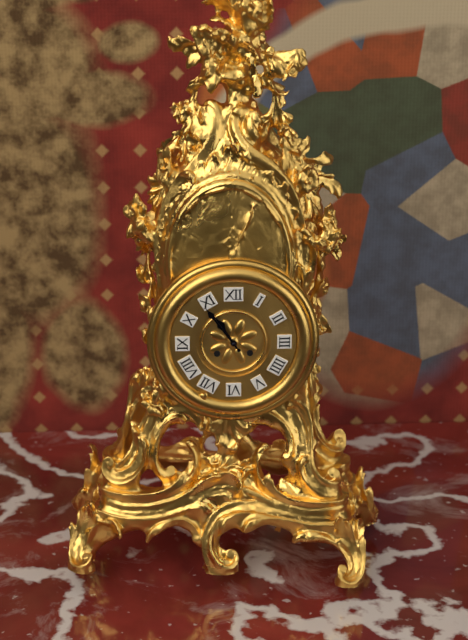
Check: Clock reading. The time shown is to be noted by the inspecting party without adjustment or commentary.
10:54
